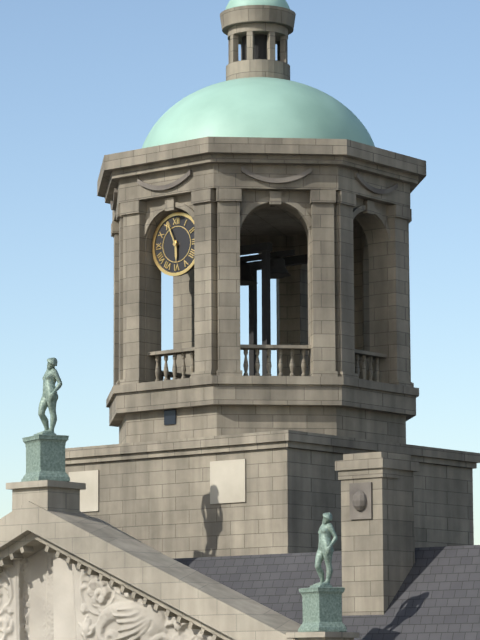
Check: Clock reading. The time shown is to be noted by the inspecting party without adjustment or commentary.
5:56
